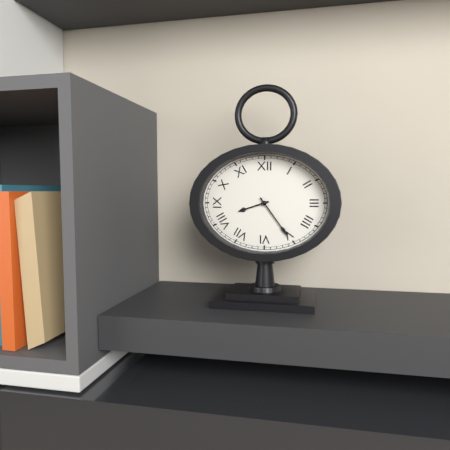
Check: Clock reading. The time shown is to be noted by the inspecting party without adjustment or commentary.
8:24
